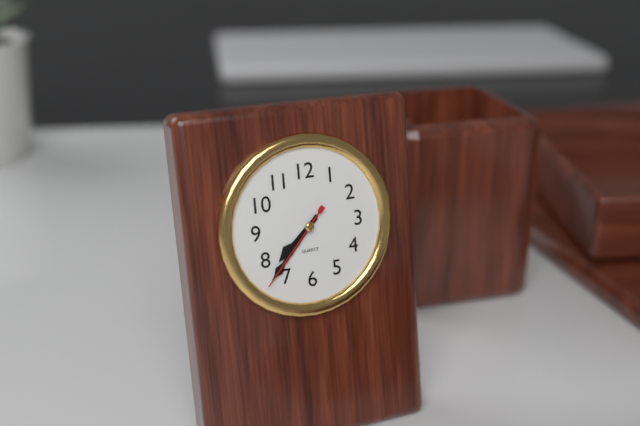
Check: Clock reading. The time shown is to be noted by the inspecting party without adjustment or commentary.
7:37:37
